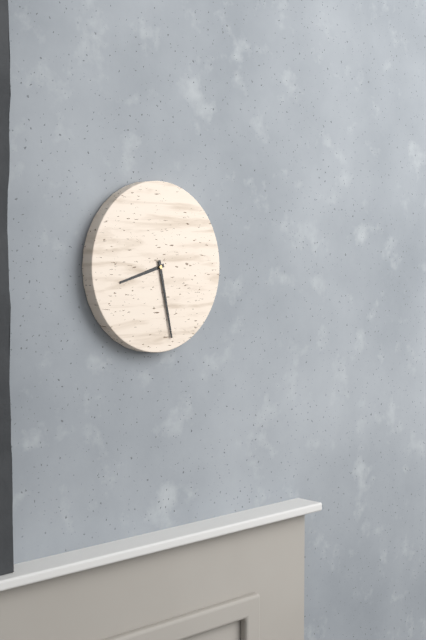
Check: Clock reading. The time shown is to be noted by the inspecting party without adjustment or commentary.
8:28
